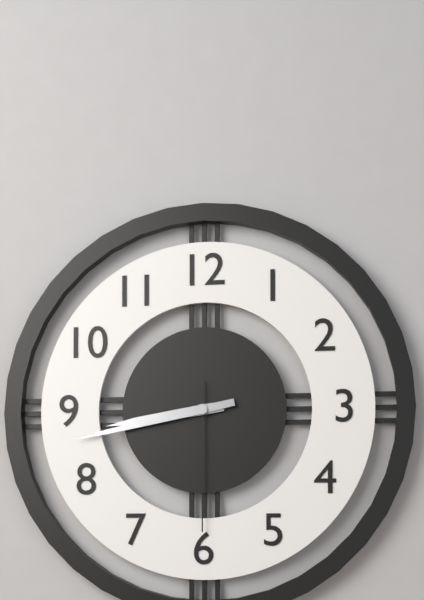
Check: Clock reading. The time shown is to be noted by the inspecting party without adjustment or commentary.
8:43:30
